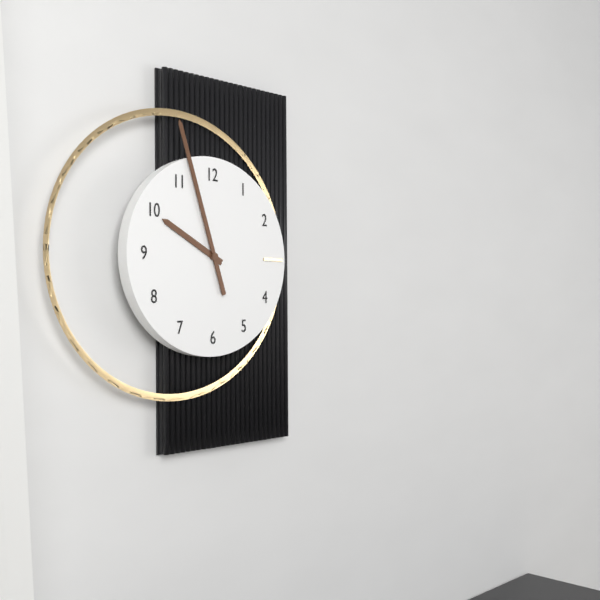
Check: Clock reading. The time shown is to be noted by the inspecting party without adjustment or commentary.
9:57
